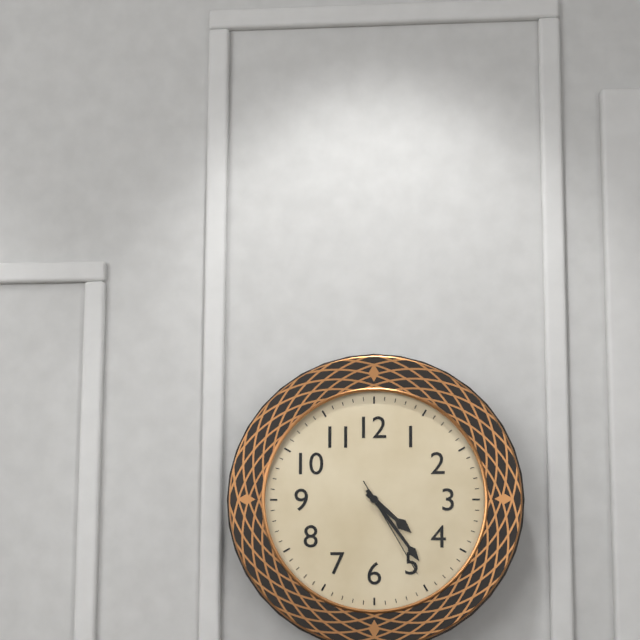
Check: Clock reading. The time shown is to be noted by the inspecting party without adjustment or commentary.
4:24:25
